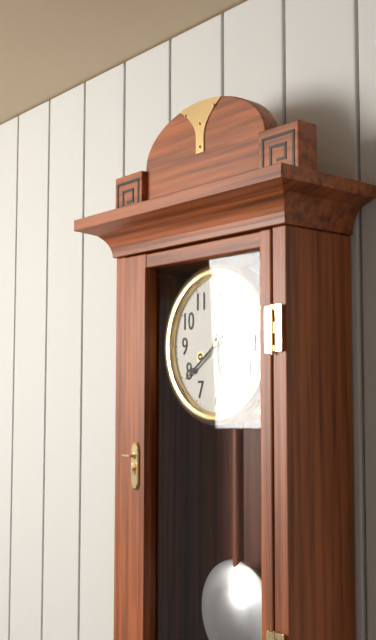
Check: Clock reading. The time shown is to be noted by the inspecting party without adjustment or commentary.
5:39
